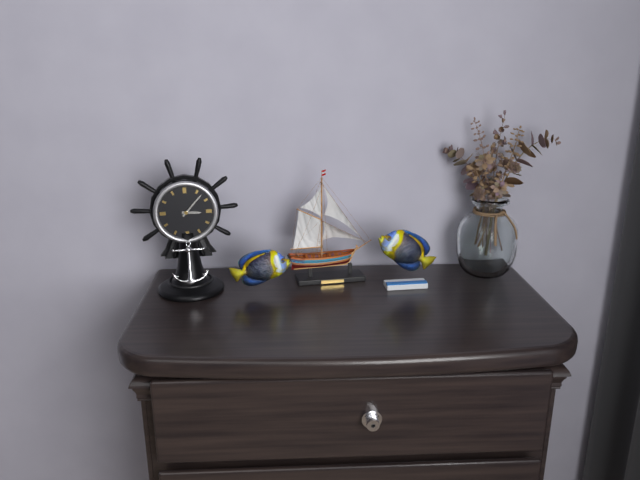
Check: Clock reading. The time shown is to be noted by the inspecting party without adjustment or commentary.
3:07
